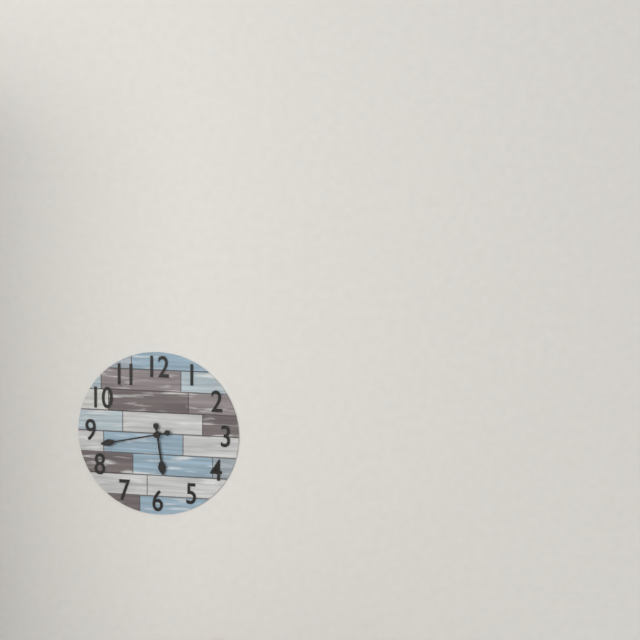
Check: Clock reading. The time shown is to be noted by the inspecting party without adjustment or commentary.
5:43
